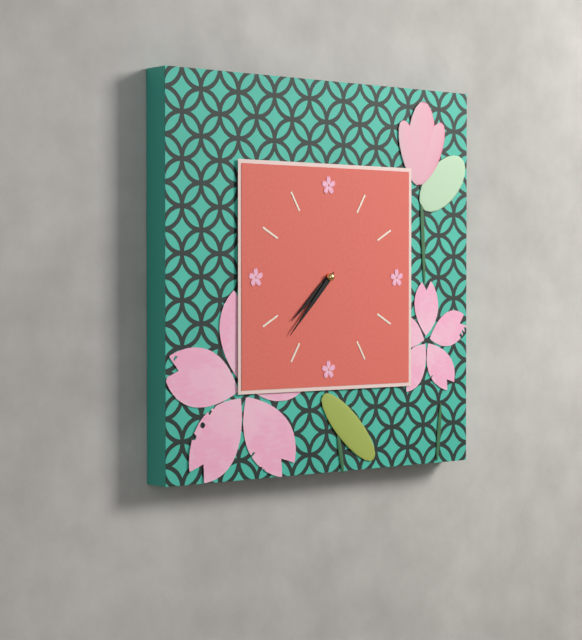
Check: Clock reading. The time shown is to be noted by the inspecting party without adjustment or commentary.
7:37
